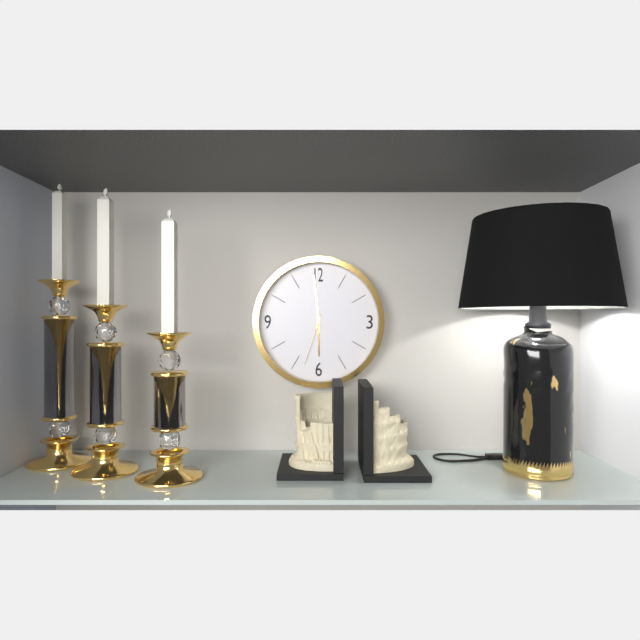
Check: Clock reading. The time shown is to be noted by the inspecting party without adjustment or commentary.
5:59:33
